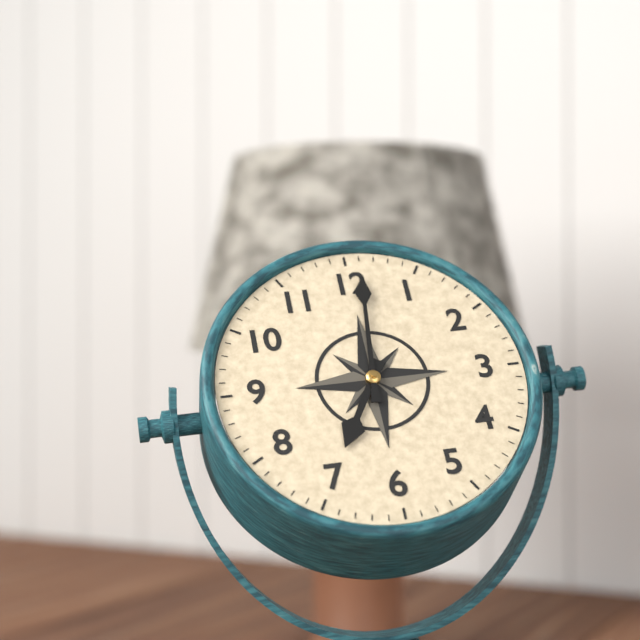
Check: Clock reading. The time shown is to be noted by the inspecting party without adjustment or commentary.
7:01
